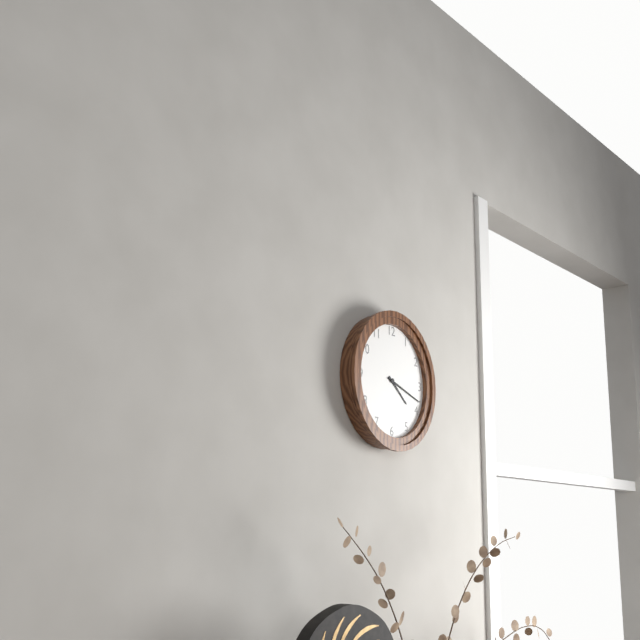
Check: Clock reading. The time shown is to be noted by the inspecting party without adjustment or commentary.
4:18
